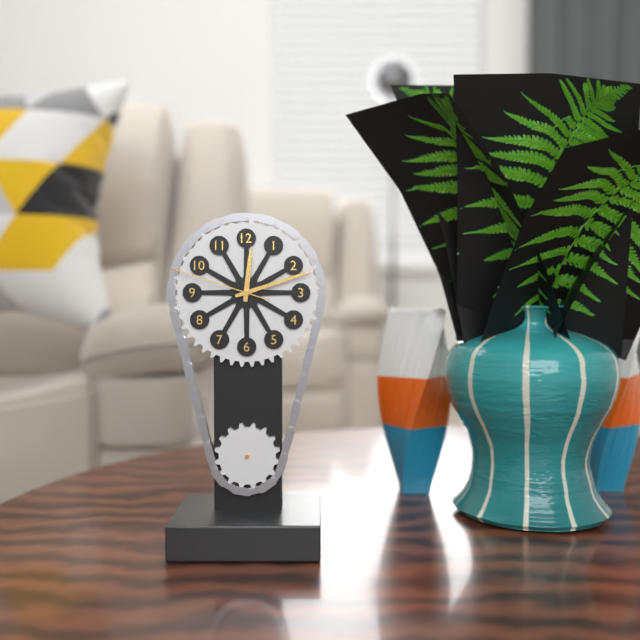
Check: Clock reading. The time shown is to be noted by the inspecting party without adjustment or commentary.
12:12:48
